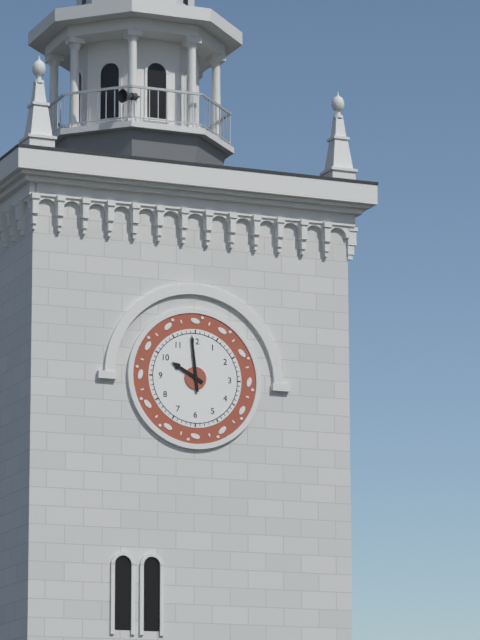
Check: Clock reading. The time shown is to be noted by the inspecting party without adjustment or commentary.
9:59
